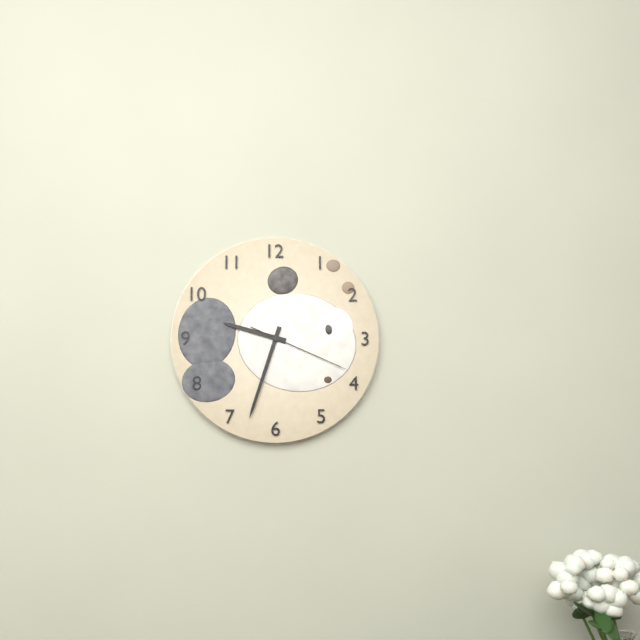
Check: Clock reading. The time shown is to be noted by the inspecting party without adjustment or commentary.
9:33:19
